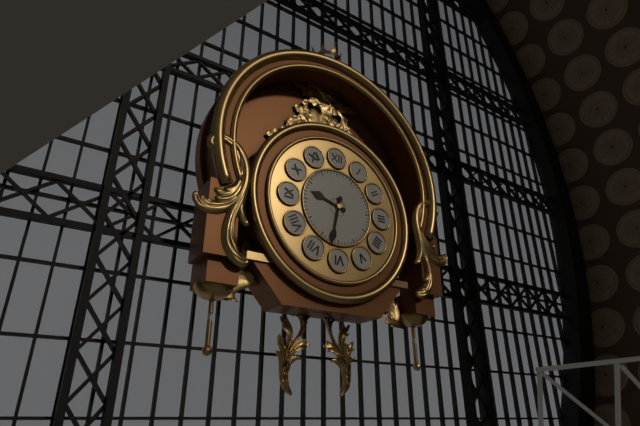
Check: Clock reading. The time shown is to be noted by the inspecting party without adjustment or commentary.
9:32
